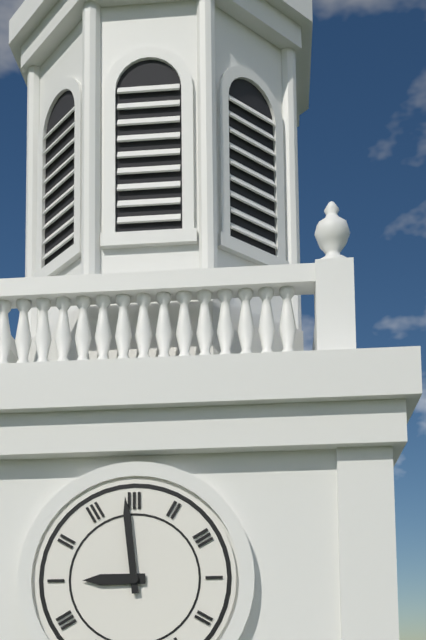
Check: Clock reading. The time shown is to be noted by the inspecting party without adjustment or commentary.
8:59
